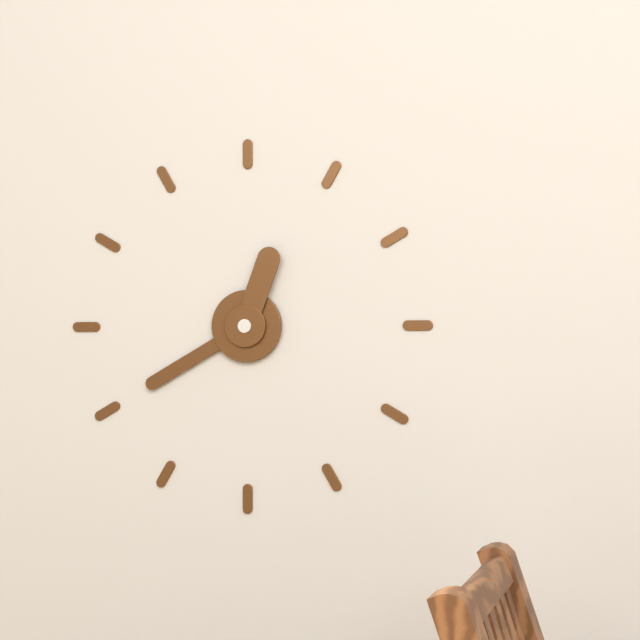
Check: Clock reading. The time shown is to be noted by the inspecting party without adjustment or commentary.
12:40
